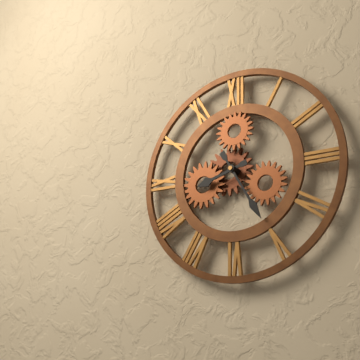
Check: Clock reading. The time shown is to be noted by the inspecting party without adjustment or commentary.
8:25
